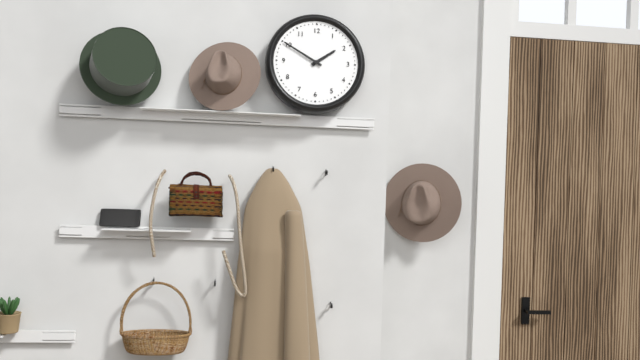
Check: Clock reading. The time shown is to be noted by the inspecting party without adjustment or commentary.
1:50
